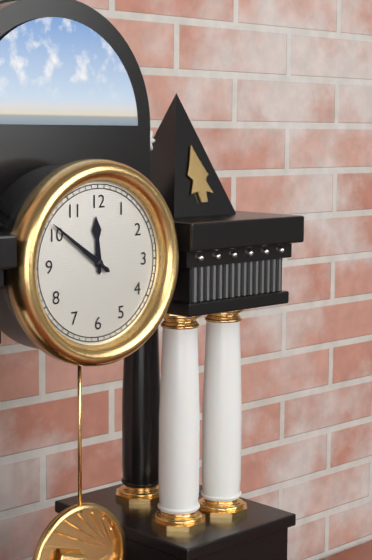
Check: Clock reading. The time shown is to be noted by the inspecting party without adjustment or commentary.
11:51
